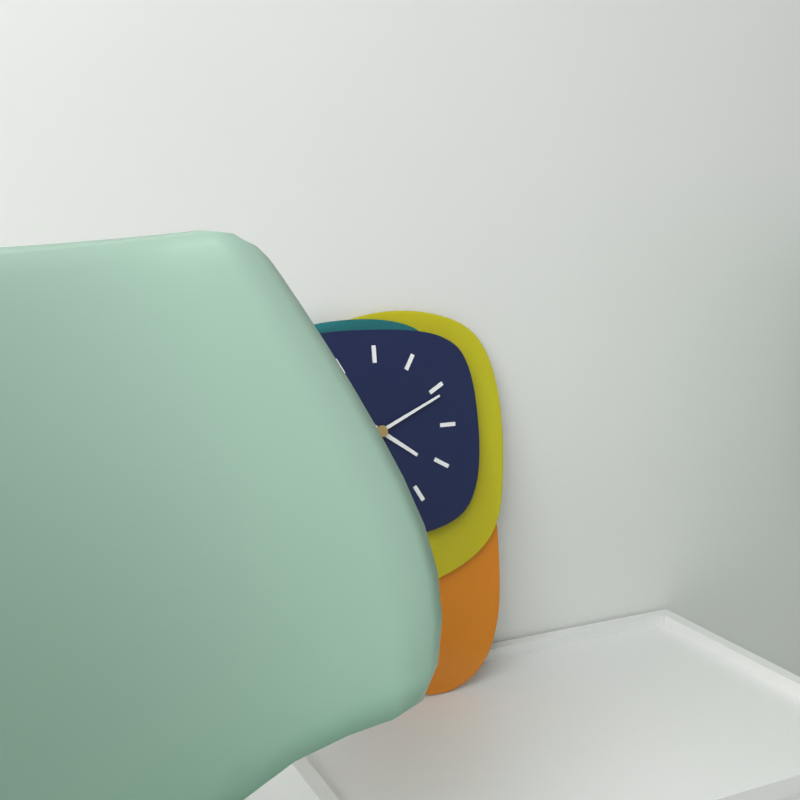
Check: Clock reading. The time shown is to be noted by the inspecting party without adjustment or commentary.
4:11
